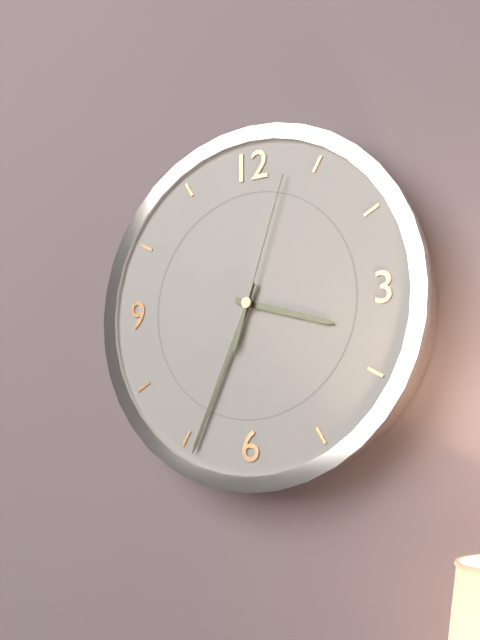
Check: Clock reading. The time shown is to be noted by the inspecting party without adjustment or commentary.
3:34:03
